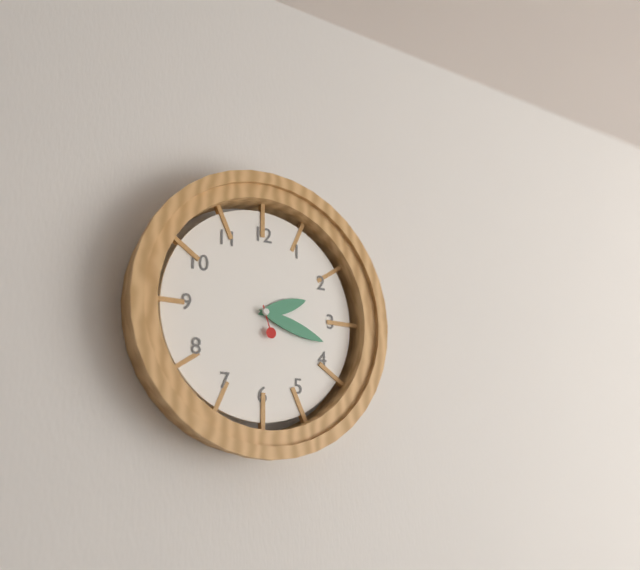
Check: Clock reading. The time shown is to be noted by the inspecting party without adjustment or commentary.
2:18
